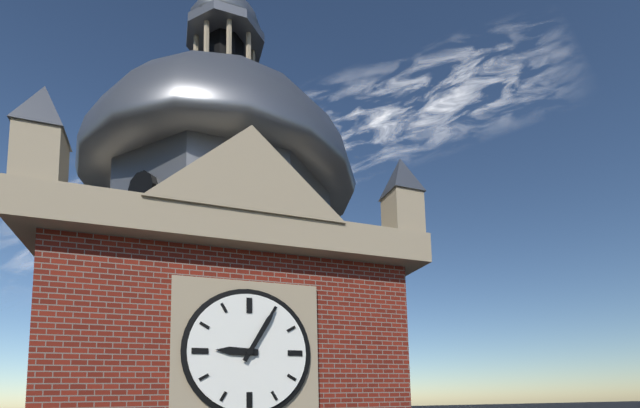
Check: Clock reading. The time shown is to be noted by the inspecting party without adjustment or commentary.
9:05
